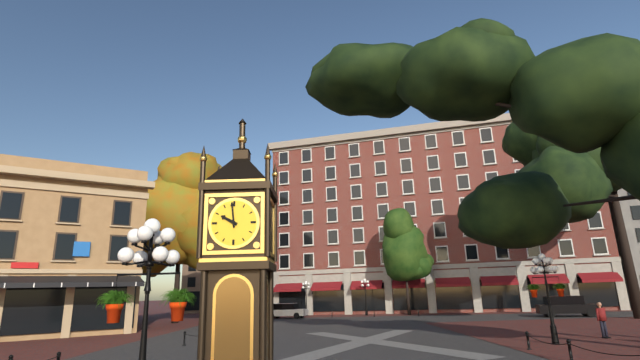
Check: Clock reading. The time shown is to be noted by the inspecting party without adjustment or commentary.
9:59
